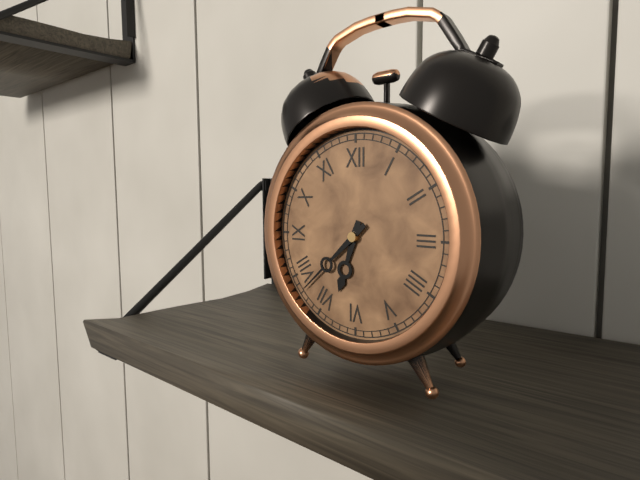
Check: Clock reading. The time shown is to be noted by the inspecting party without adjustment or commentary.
6:38
